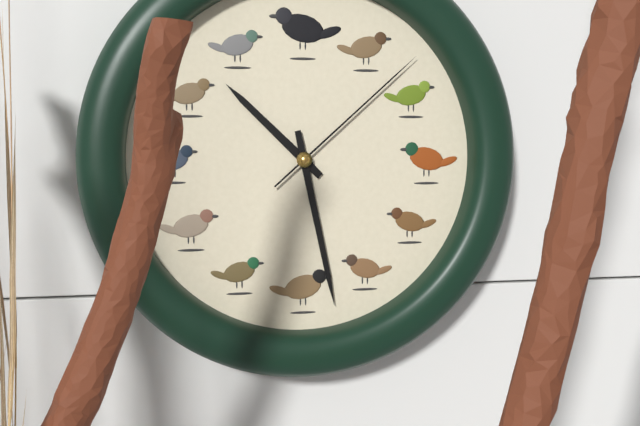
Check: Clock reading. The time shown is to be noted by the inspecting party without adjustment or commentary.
10:28:08
